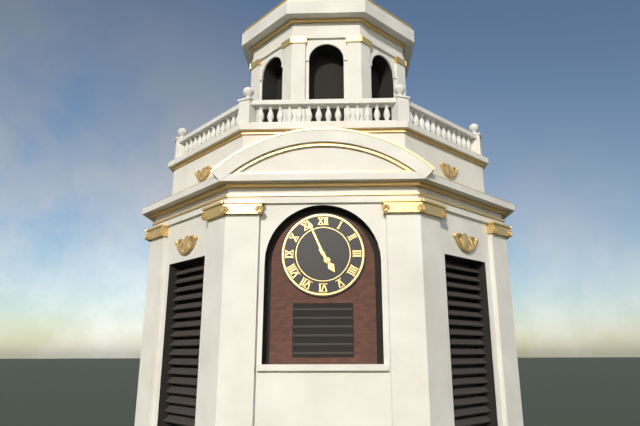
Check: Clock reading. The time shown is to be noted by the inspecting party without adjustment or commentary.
4:56
